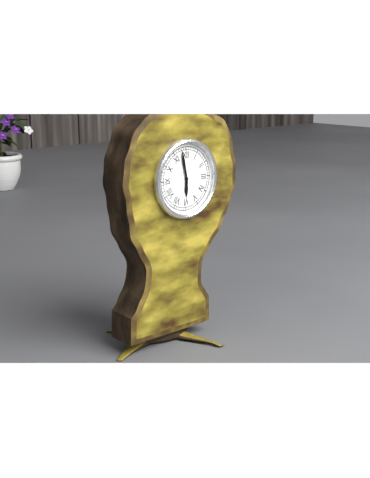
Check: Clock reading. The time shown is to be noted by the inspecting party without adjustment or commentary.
5:58
